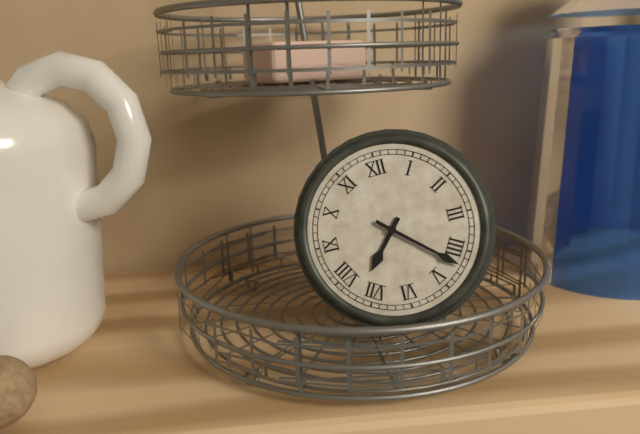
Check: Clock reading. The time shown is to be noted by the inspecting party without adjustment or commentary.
7:22
